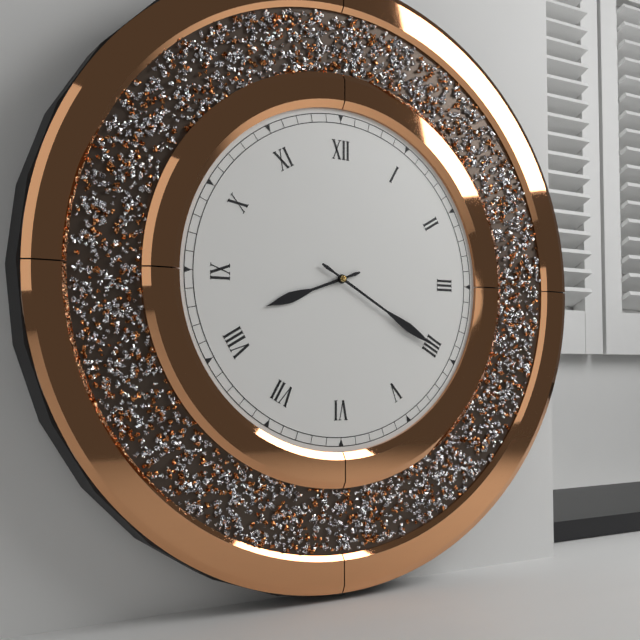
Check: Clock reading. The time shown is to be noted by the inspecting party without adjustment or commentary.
8:20
